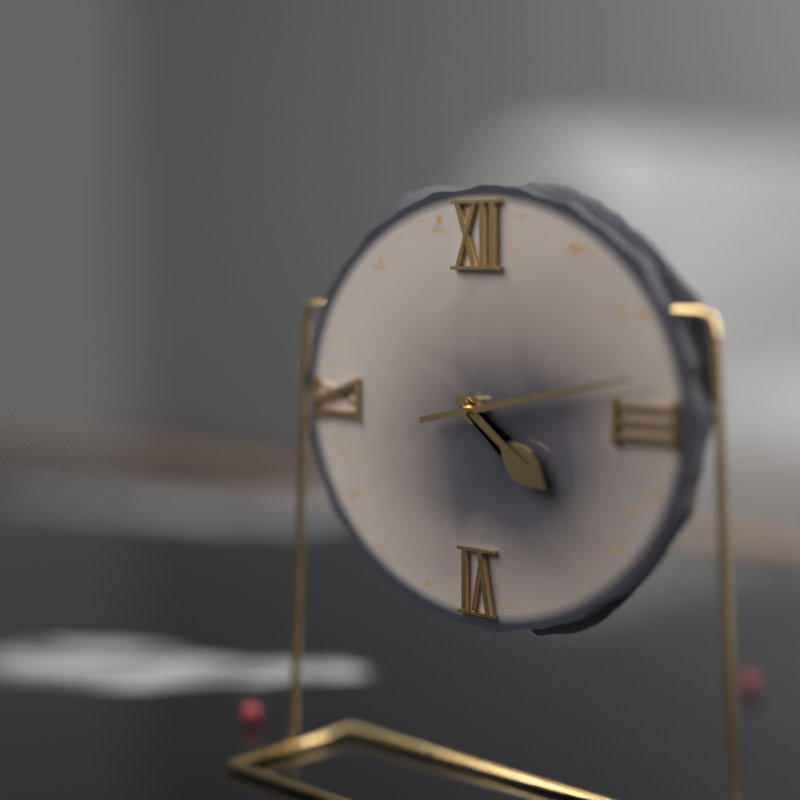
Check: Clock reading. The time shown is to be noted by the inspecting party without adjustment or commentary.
4:13
